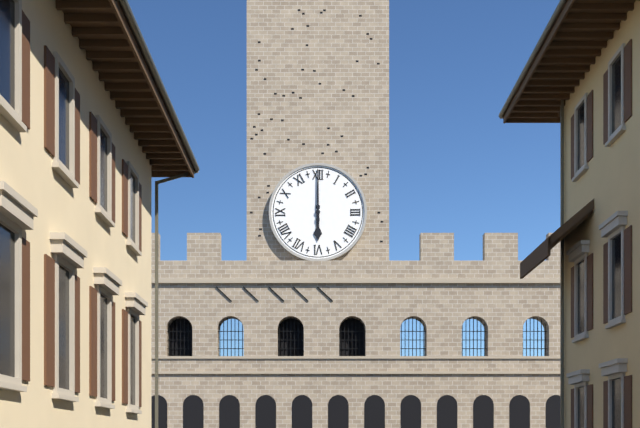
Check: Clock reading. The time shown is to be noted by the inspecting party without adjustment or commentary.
6:00
